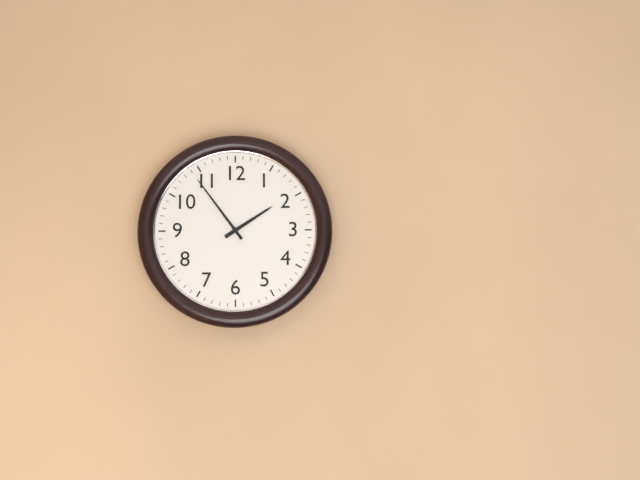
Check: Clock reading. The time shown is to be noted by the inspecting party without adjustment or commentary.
1:54
